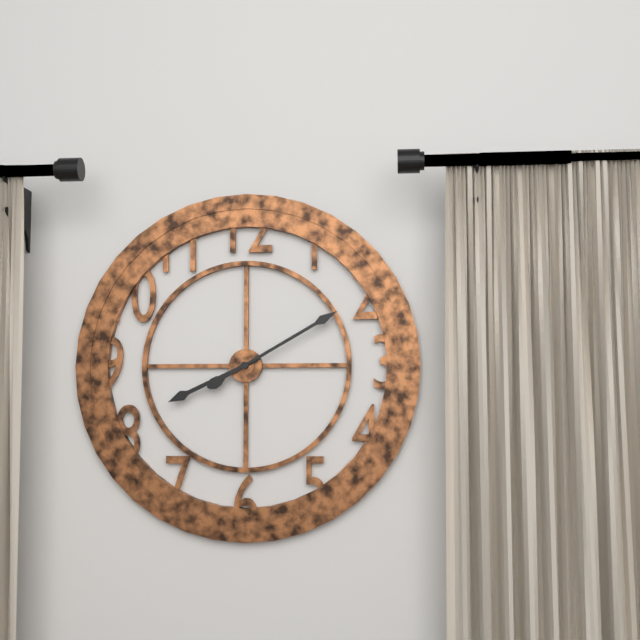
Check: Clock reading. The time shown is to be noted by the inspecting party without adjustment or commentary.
8:10
